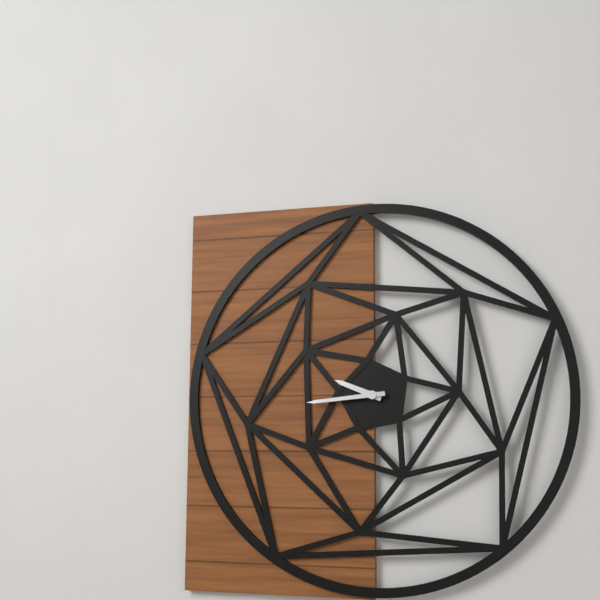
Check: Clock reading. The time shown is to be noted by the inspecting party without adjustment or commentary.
9:44
